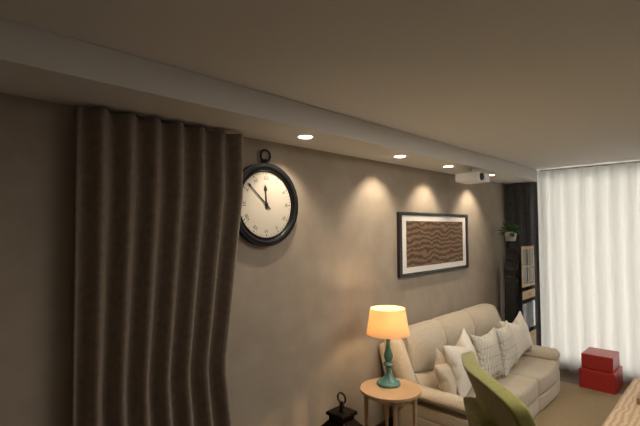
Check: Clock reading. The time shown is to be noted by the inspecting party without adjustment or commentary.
11:52
